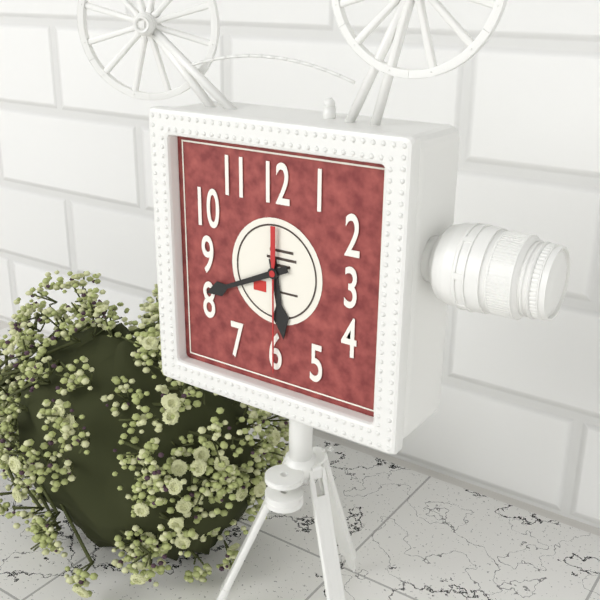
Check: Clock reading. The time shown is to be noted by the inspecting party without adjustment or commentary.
5:41:30
